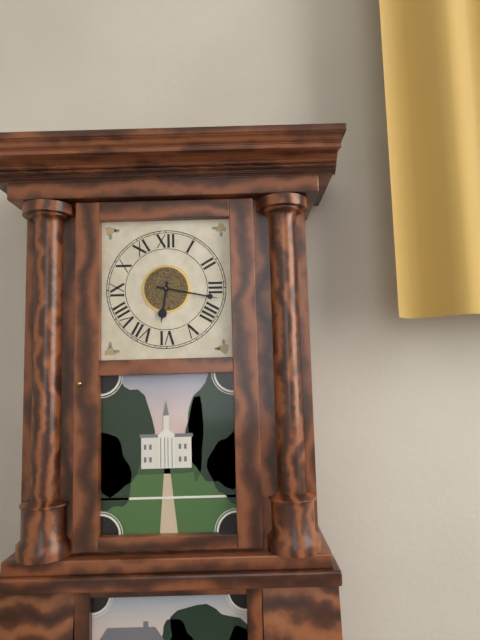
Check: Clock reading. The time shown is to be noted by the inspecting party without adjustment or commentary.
6:17
